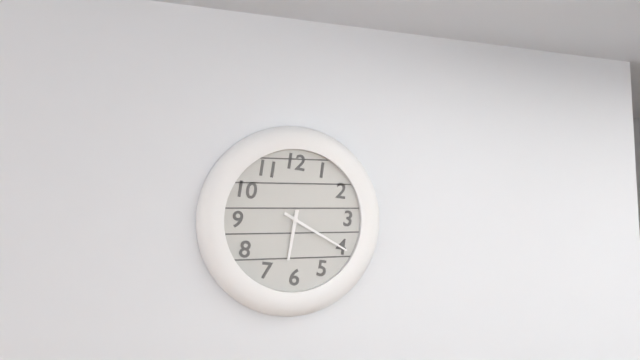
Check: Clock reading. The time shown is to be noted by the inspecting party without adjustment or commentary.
6:20
